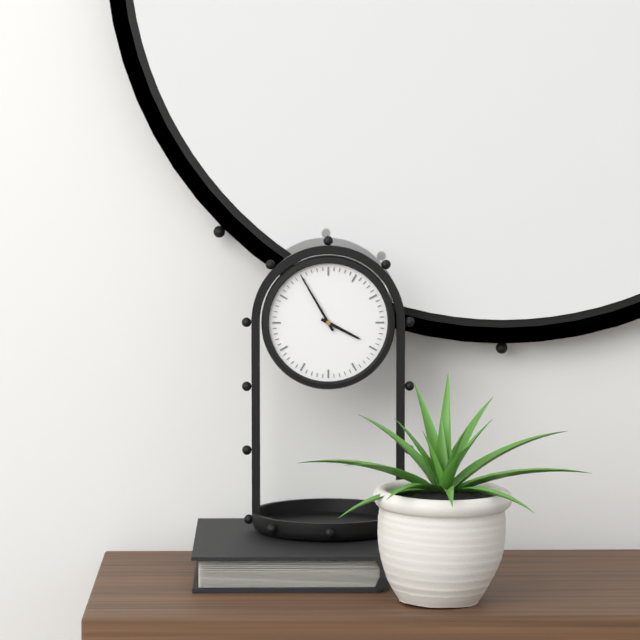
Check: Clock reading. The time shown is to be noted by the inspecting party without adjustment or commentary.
3:55
